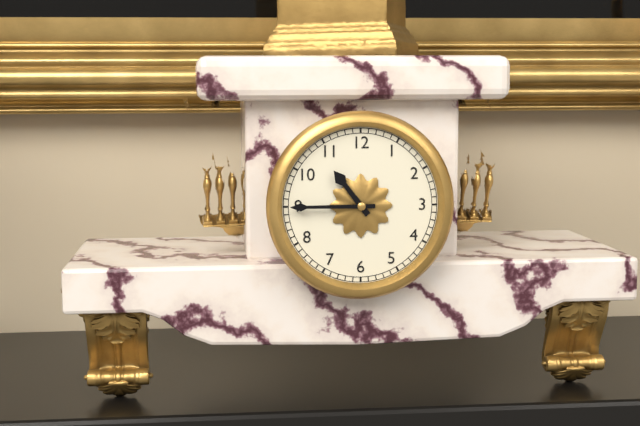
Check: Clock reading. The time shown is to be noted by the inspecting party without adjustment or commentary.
10:45
